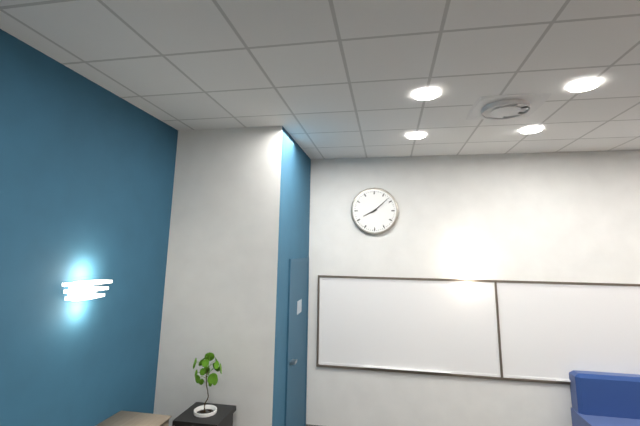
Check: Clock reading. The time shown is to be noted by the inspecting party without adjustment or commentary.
8:08
